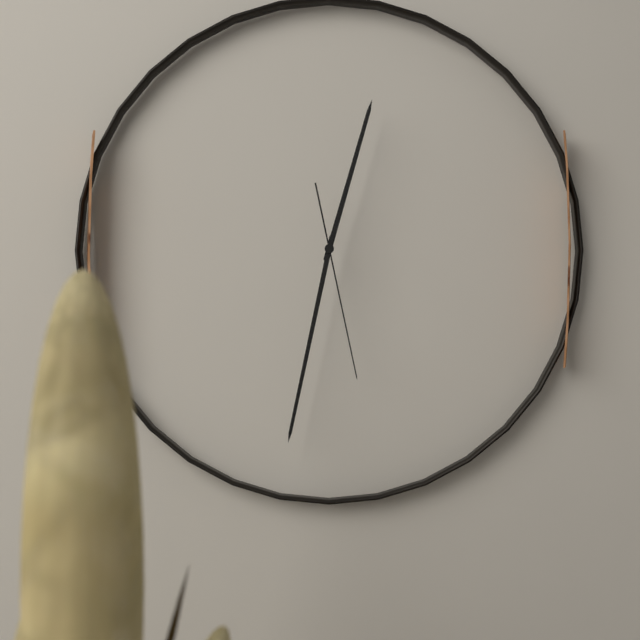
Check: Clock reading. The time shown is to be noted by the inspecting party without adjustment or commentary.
12:32:28
